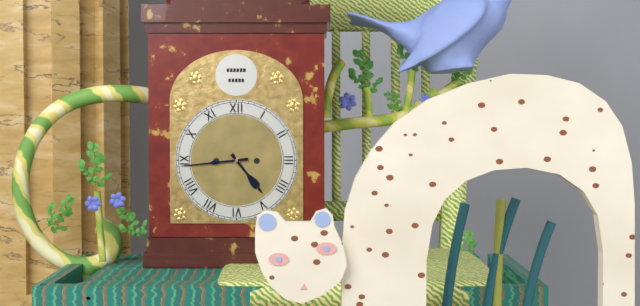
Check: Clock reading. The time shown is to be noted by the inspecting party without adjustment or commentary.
4:44
